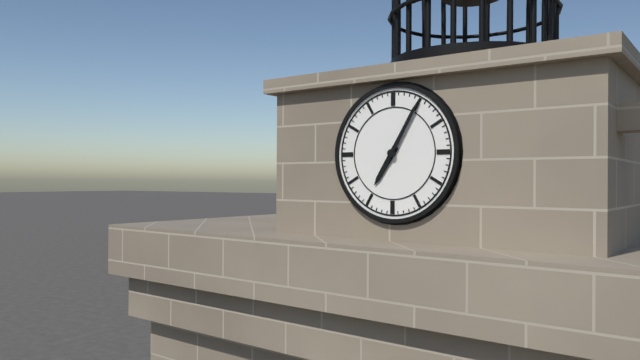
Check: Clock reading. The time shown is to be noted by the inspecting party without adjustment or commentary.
7:05
